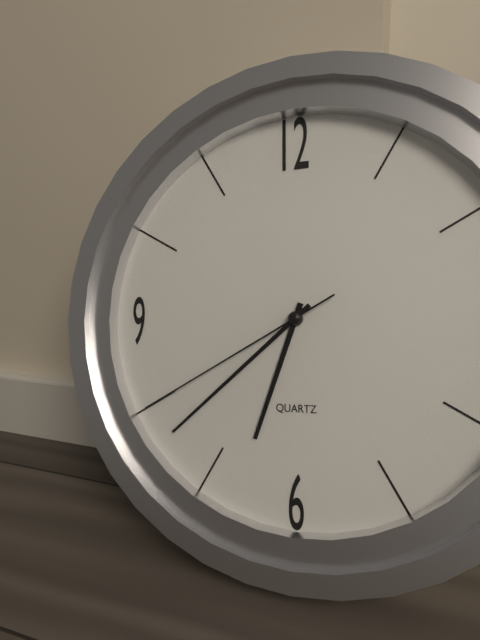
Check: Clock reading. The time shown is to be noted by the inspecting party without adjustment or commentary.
6:38:40
